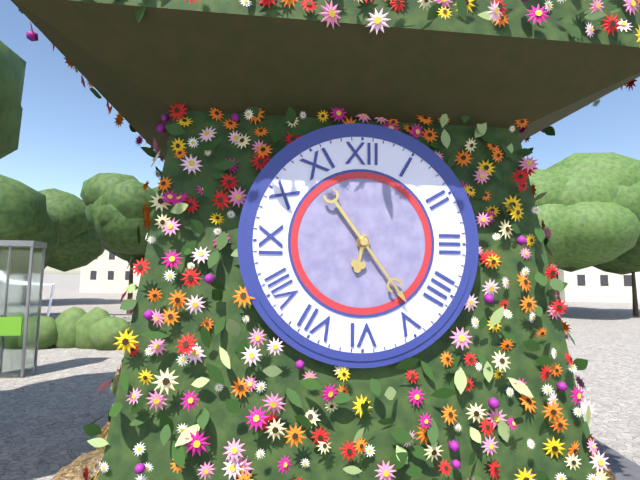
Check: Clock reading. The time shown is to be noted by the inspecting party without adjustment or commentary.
6:24
